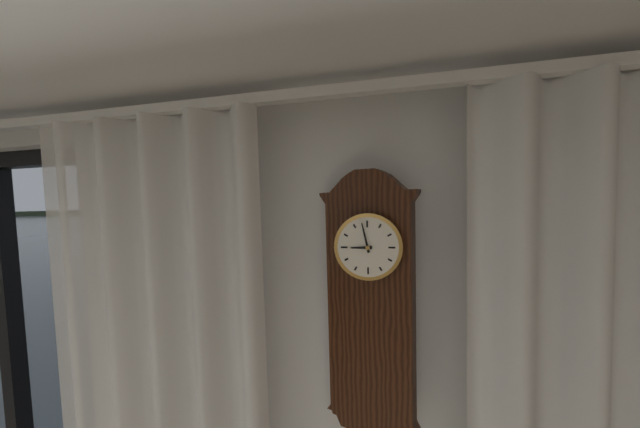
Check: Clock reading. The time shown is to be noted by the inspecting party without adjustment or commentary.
8:58
